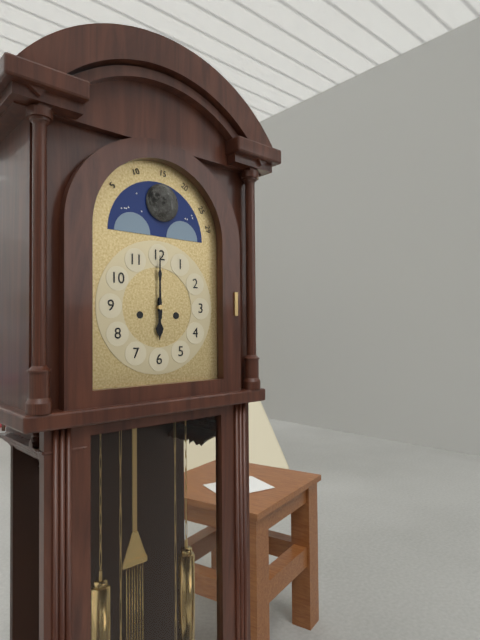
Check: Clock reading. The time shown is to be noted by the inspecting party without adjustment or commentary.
6:00
